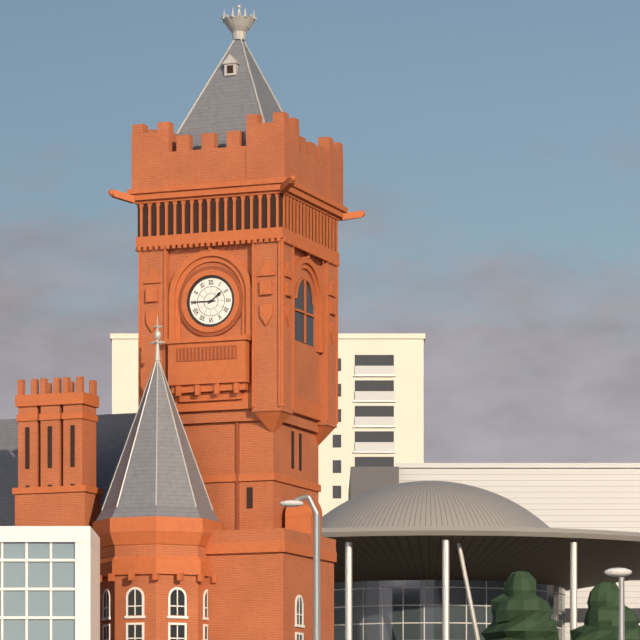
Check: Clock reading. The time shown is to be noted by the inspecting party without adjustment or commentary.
1:45
